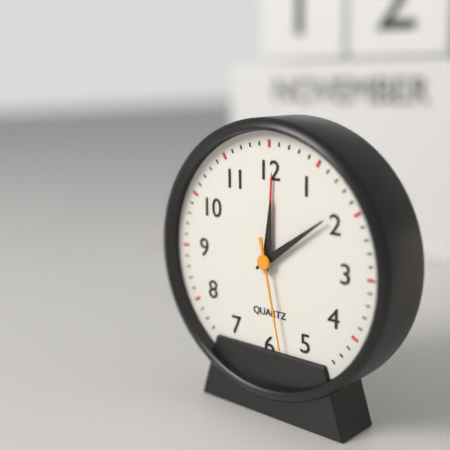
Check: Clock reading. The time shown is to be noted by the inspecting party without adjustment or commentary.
12:09:28
